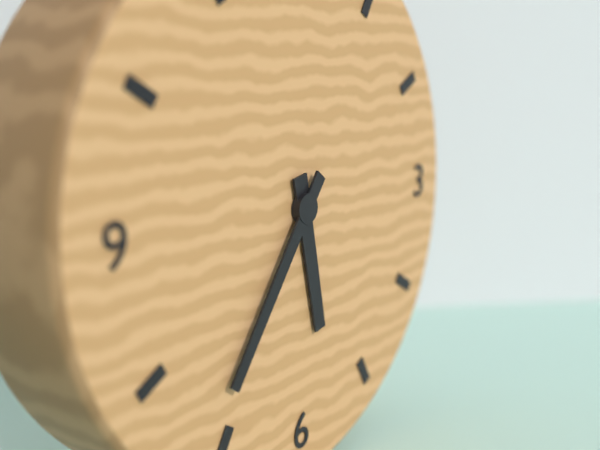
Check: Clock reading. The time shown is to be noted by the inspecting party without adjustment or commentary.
5:36
